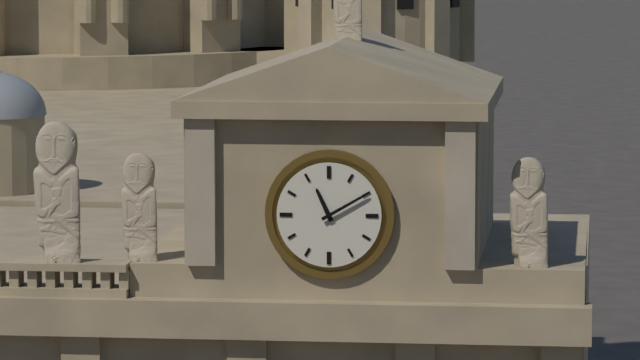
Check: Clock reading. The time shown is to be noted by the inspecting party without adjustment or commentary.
11:10
